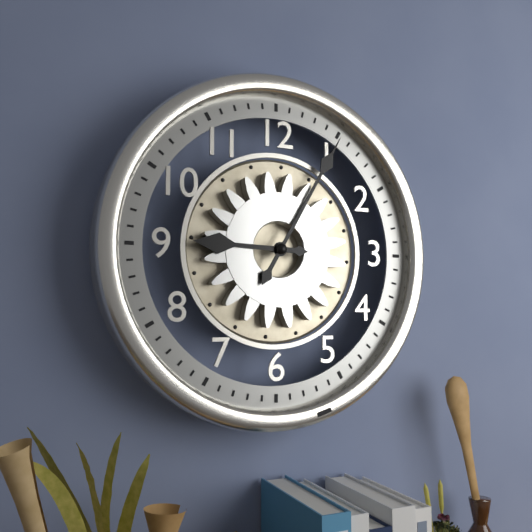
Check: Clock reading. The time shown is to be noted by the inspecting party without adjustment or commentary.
9:05
